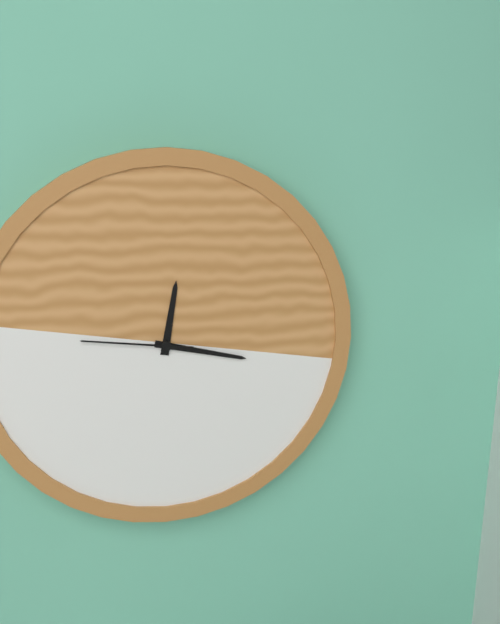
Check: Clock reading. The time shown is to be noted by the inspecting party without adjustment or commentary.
12:17:46
